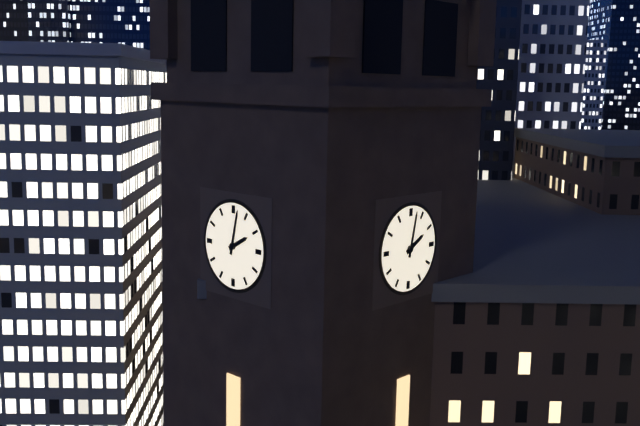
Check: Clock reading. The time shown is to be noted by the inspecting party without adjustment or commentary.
2:02
